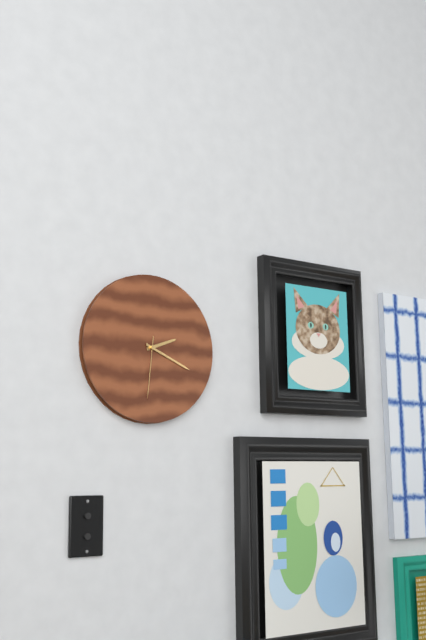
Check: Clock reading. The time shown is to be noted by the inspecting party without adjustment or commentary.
2:19:31
